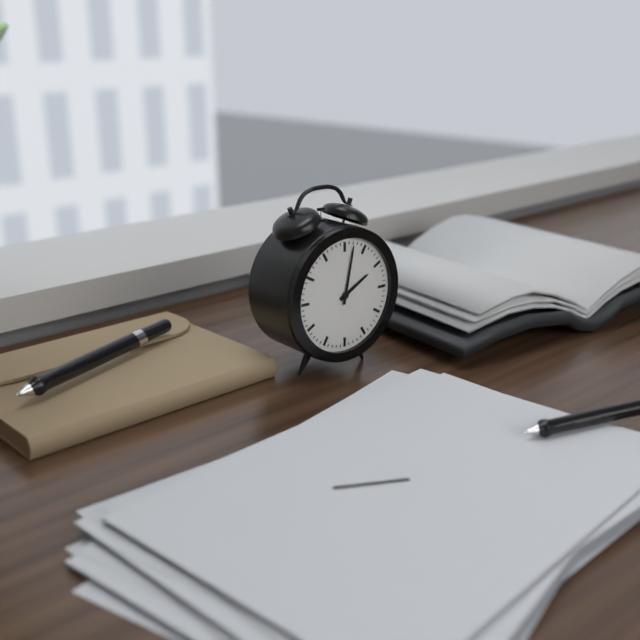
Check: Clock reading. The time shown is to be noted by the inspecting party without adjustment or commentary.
2:02
